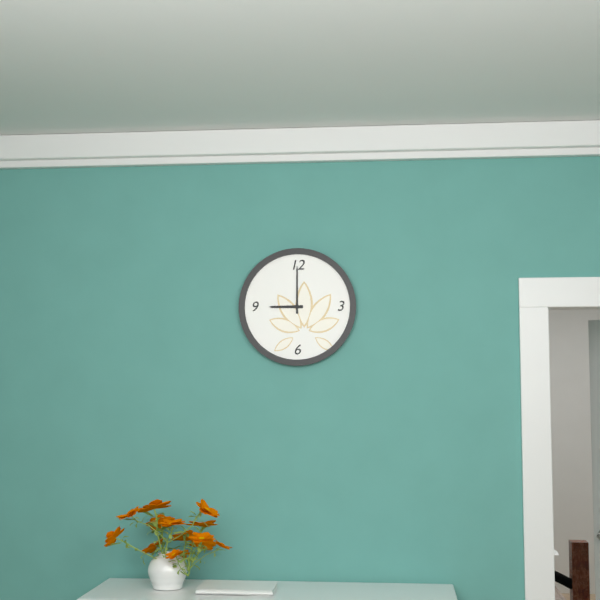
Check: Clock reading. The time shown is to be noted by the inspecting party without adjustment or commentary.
9:00
